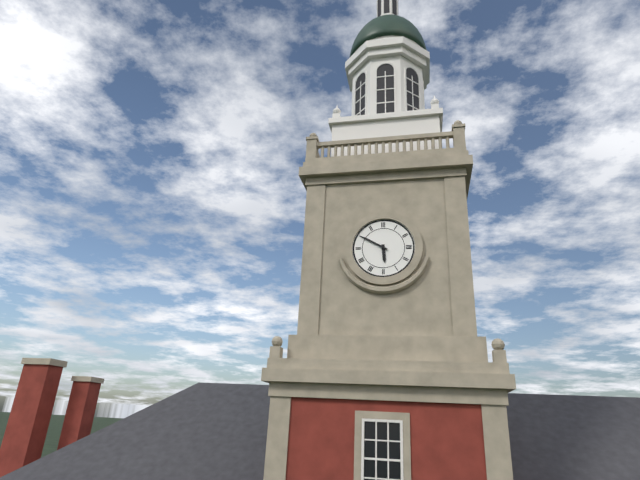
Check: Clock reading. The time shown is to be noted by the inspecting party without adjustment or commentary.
5:50
